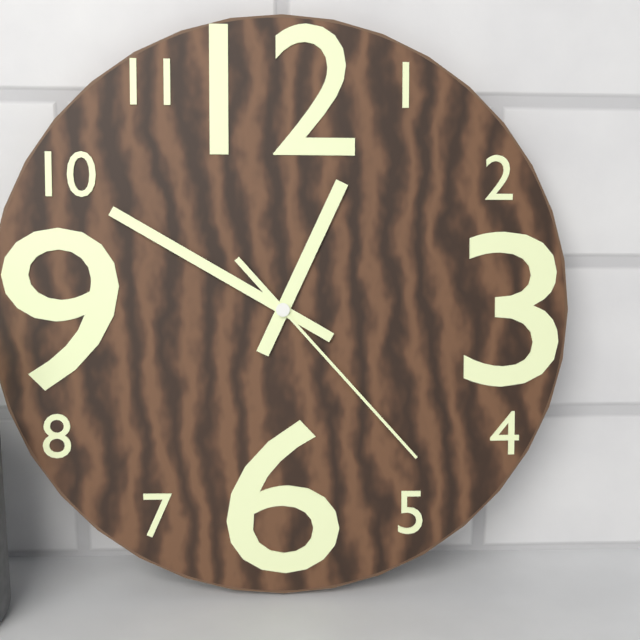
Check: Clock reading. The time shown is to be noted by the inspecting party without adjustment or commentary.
12:50:23
